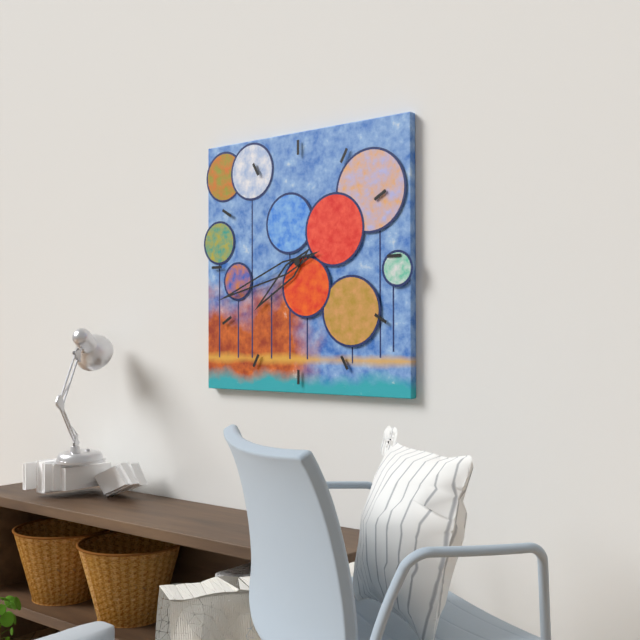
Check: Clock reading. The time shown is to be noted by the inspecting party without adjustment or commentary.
7:42
